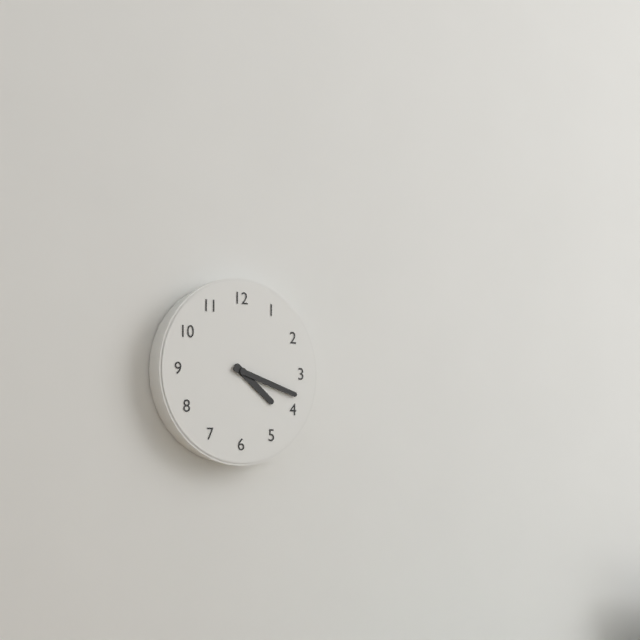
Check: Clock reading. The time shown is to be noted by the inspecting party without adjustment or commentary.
4:18
